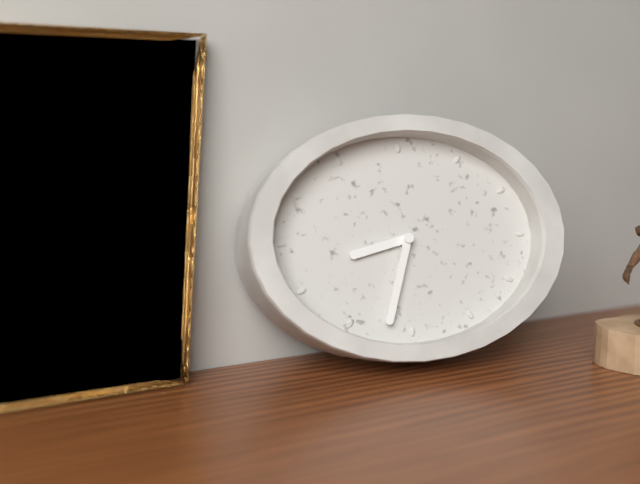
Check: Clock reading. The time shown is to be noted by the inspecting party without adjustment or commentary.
8:33
